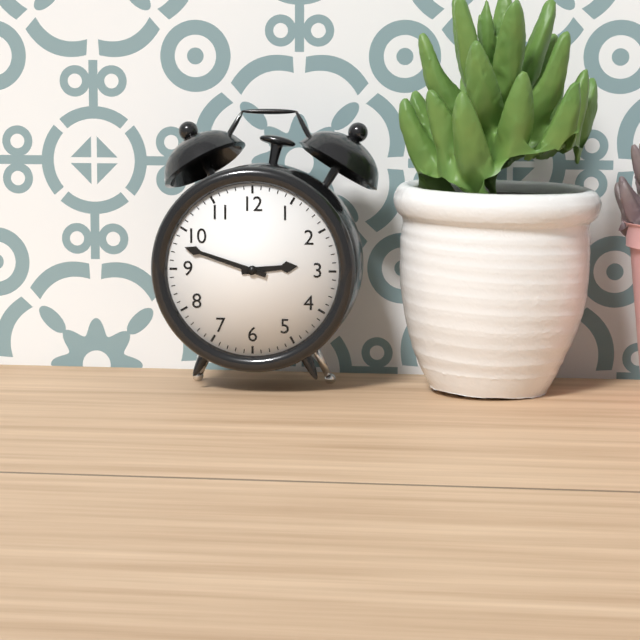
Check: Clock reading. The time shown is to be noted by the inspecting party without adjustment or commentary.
2:48
